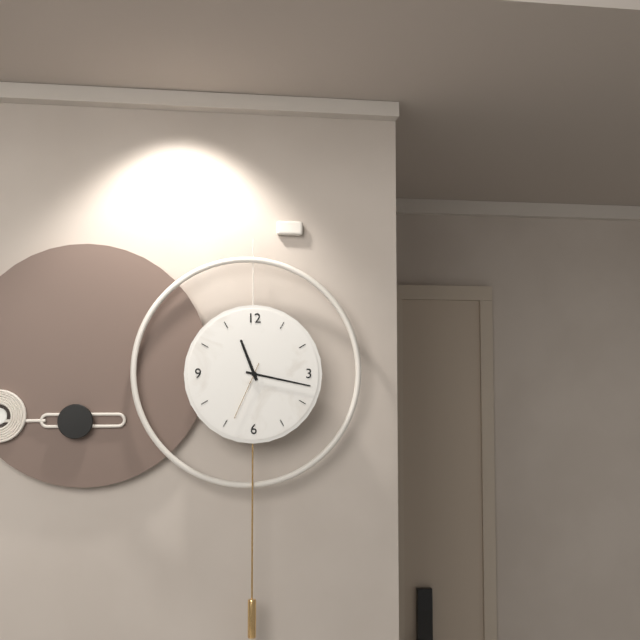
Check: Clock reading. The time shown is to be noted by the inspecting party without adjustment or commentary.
11:17:34
